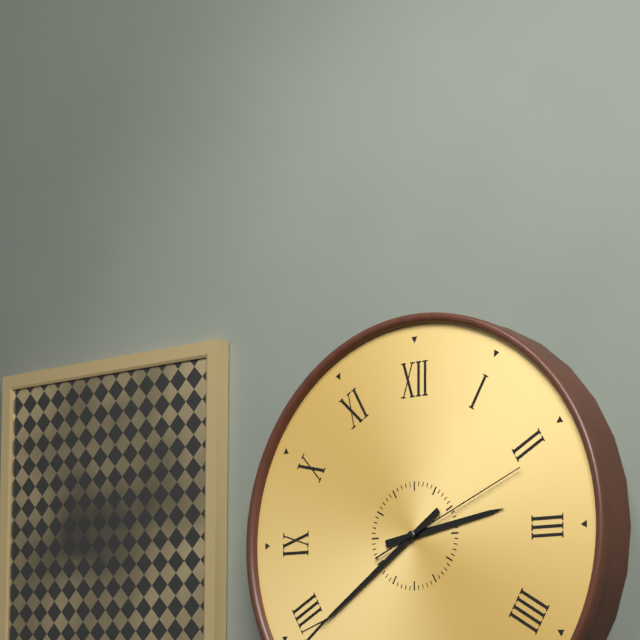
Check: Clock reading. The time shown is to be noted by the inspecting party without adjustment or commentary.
2:39:11
